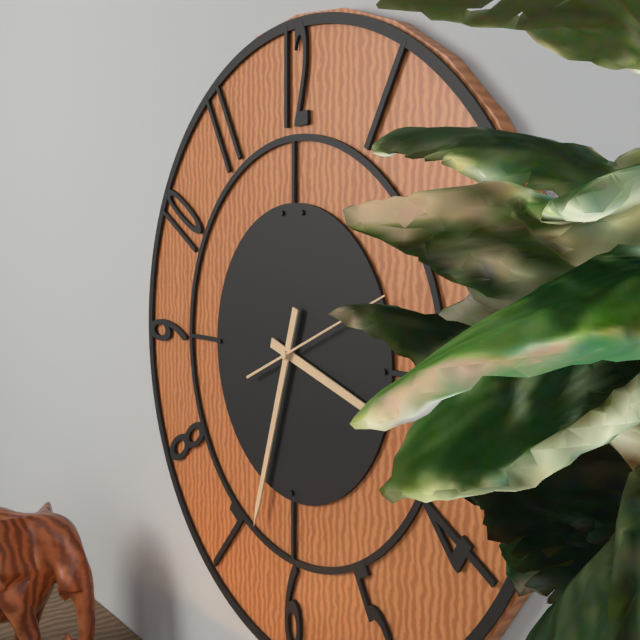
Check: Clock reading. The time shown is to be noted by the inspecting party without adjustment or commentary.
3:33:11
